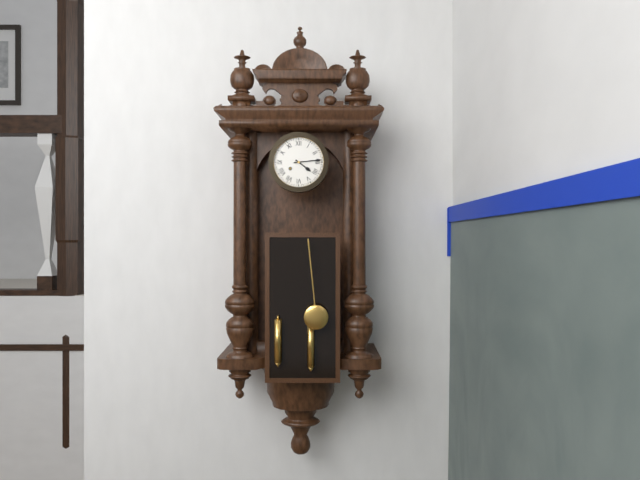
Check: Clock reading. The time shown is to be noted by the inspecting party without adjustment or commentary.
4:14
